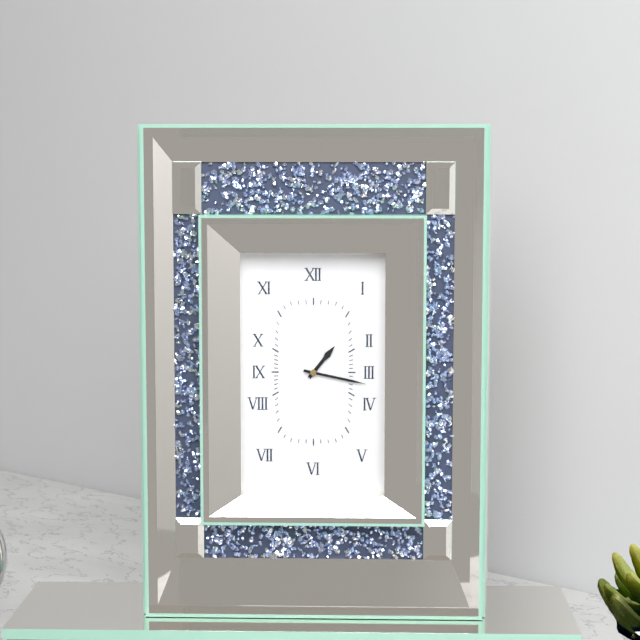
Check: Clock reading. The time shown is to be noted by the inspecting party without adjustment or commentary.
1:17
